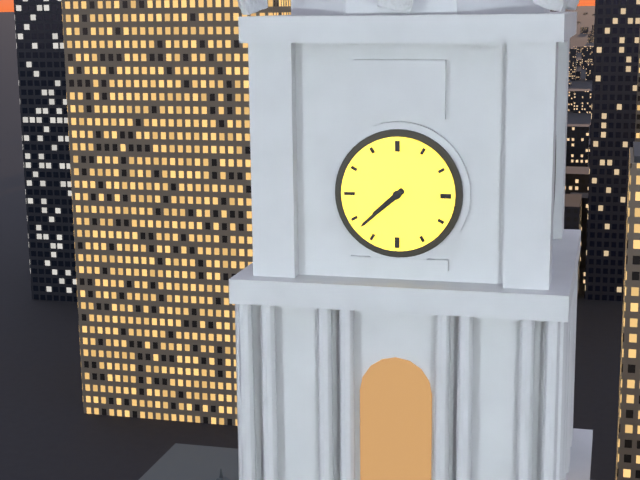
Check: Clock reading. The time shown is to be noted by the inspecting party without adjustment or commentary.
7:38
